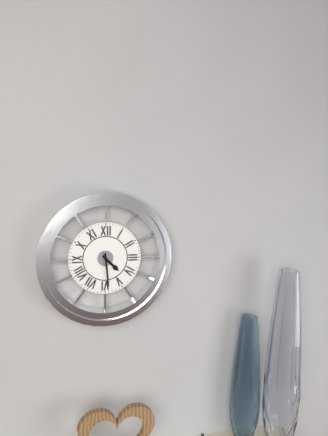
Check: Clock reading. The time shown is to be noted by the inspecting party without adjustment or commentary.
4:29
